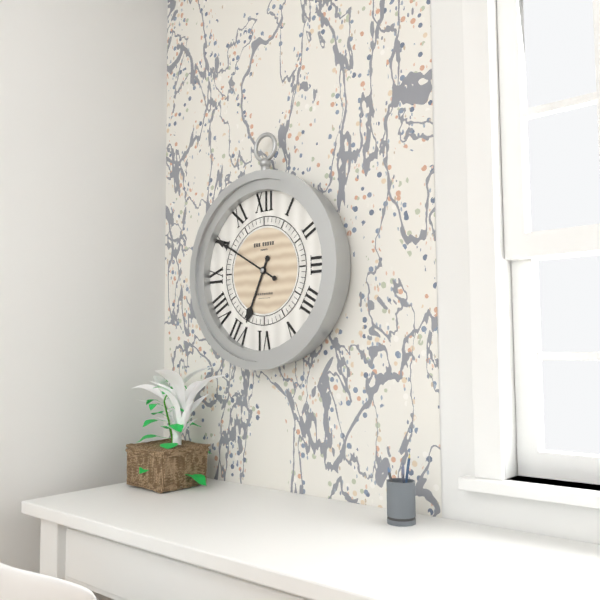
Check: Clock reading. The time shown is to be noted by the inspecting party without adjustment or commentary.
6:50
